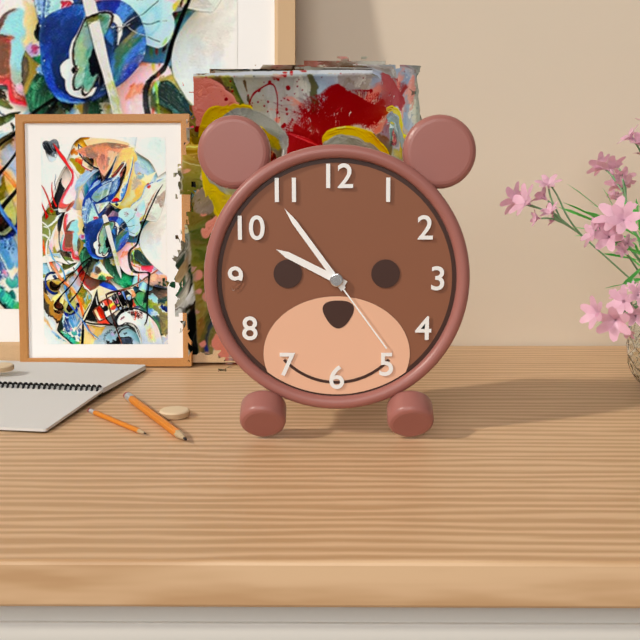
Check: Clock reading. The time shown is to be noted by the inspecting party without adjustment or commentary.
9:54:24
